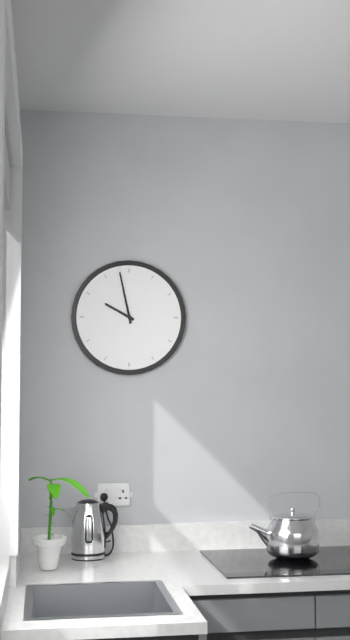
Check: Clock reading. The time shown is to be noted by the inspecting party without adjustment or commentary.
9:58
